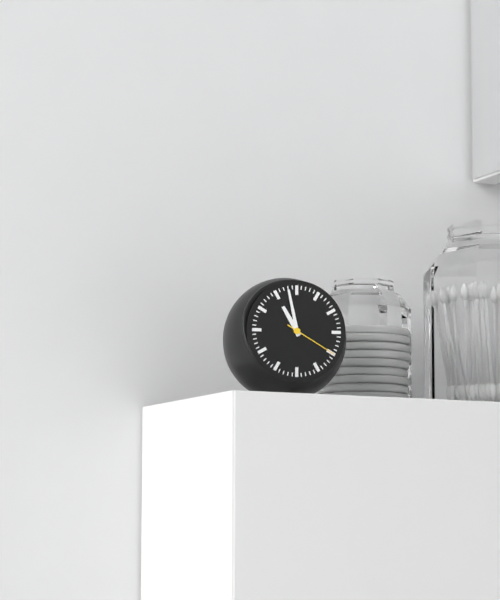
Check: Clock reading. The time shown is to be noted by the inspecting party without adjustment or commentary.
10:58:20
